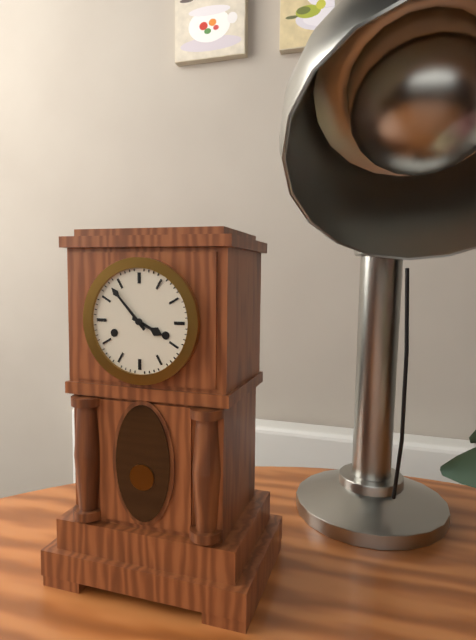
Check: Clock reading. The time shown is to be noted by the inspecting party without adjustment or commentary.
3:53
